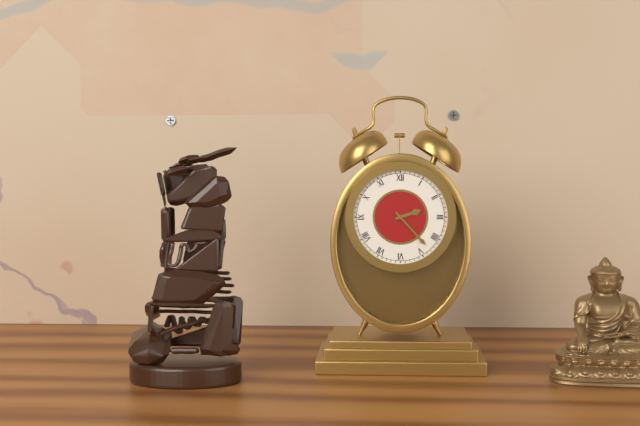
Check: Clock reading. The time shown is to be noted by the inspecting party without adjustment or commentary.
2:23
